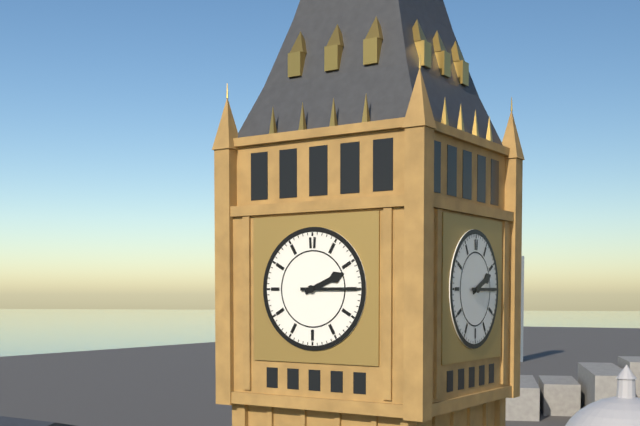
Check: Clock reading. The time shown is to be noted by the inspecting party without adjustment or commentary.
2:15
